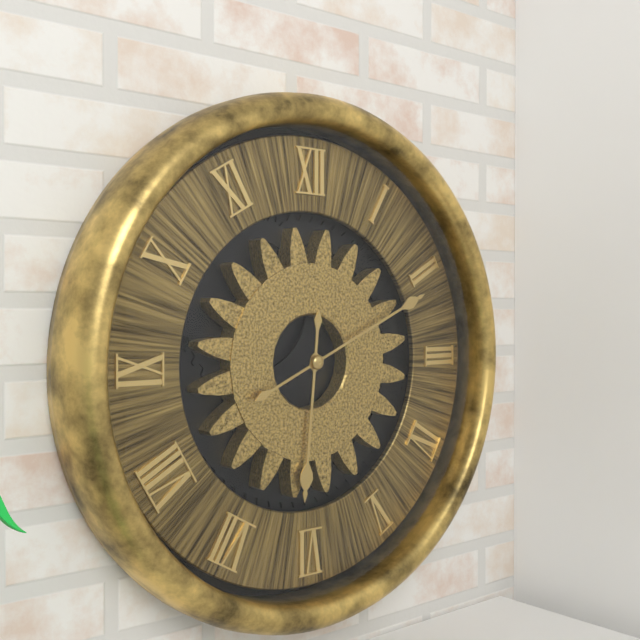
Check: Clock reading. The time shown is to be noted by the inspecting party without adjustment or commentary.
6:11
